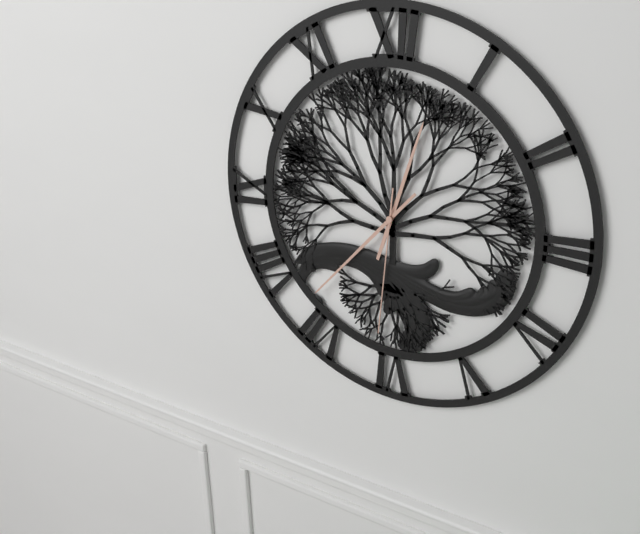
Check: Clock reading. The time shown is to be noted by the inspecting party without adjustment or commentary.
12:37:31
